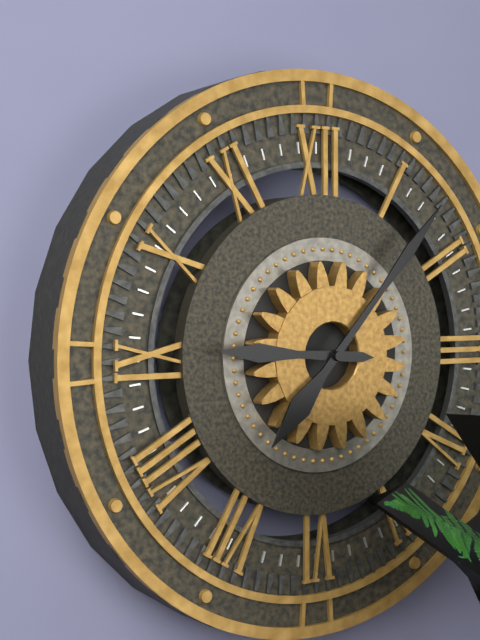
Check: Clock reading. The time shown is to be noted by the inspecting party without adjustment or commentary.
9:07
